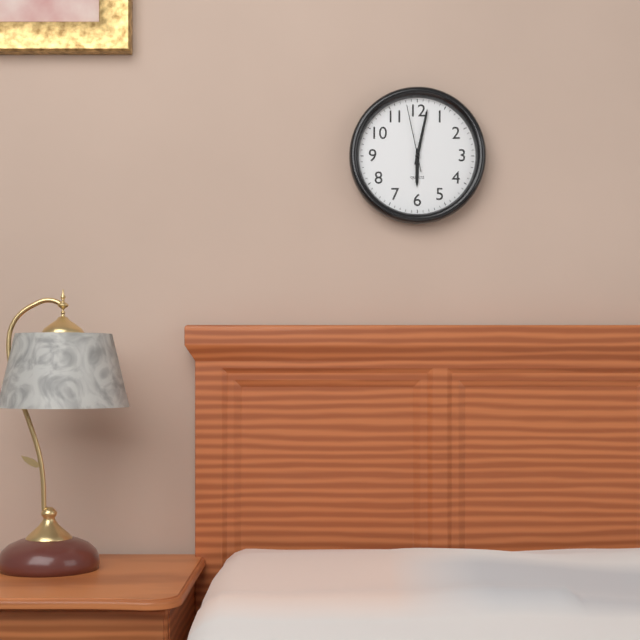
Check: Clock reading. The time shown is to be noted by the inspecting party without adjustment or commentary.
6:02:58
